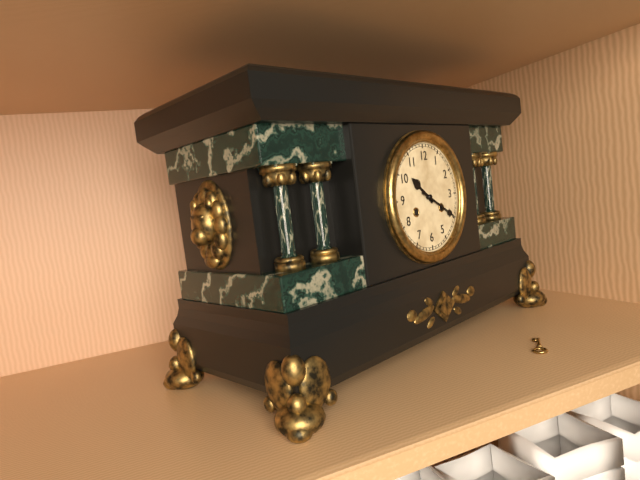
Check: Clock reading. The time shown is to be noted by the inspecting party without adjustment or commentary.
10:20
